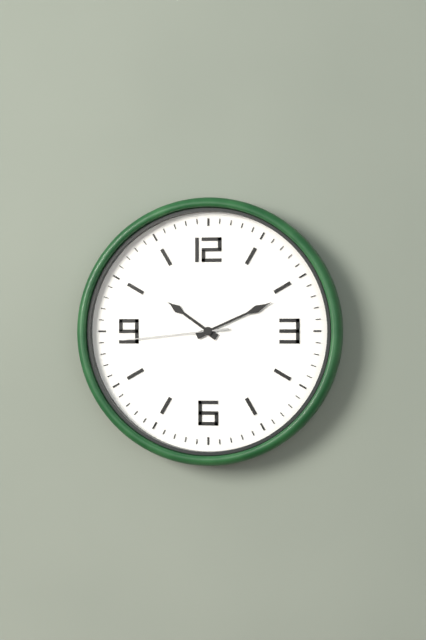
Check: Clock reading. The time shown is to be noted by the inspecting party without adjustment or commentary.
10:11:44
